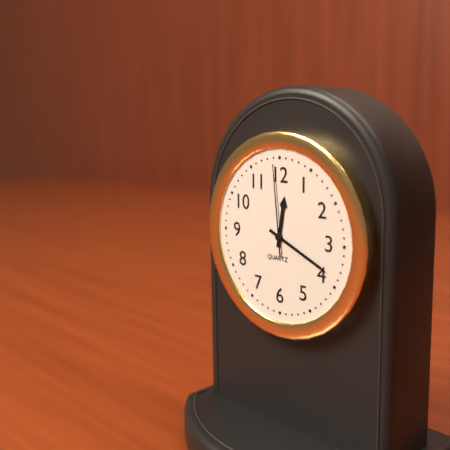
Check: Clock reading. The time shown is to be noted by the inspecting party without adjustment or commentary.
12:19:59
